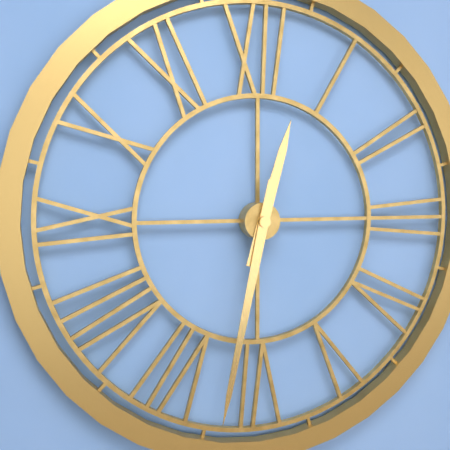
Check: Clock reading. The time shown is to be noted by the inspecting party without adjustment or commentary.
12:32
